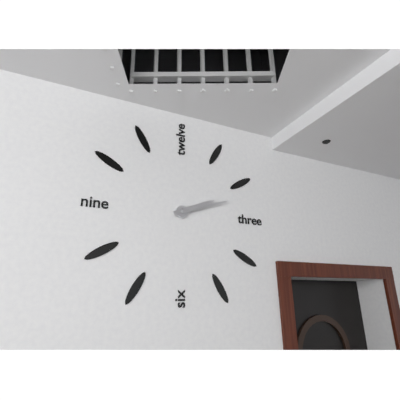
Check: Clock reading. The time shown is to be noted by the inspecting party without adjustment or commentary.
2:12
